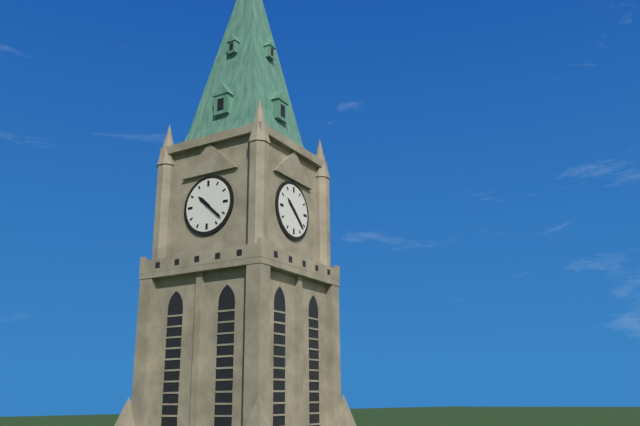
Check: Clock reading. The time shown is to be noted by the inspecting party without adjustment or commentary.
10:22
